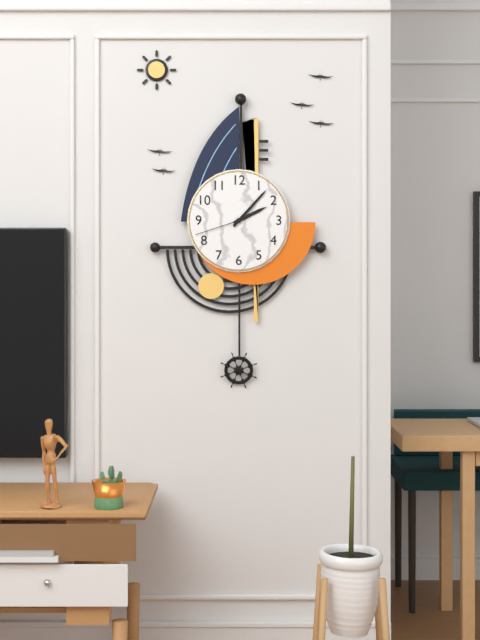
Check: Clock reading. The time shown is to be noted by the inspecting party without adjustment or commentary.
2:07:42
